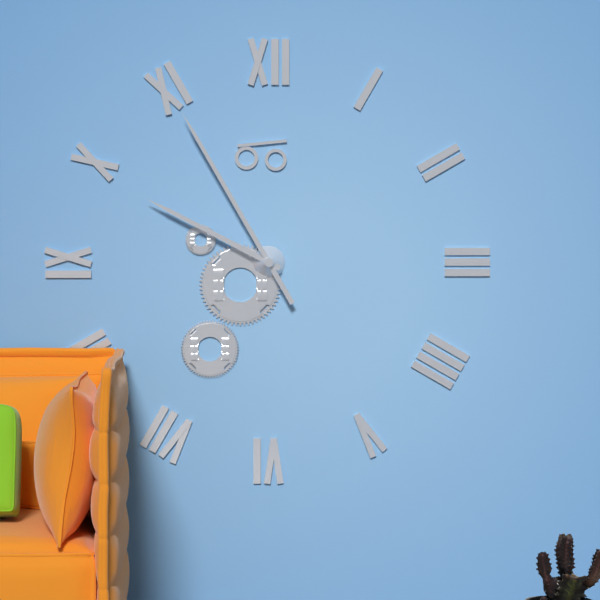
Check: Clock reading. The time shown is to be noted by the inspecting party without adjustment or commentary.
9:55
